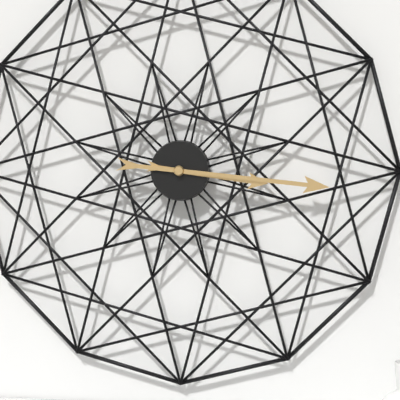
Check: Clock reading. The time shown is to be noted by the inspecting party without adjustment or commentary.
3:16
